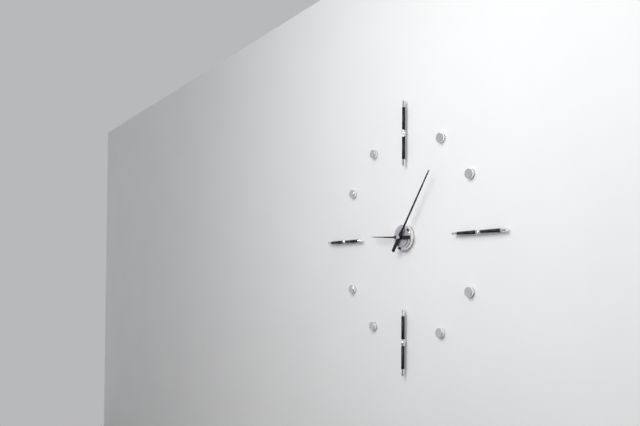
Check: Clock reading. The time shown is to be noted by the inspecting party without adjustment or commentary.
9:06
